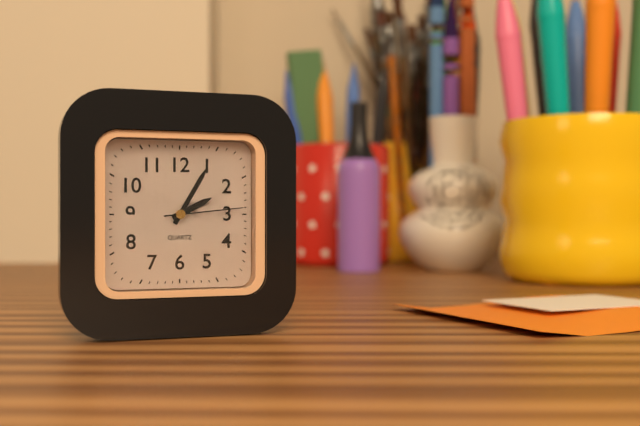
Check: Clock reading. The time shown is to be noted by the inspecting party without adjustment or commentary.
2:05:14
